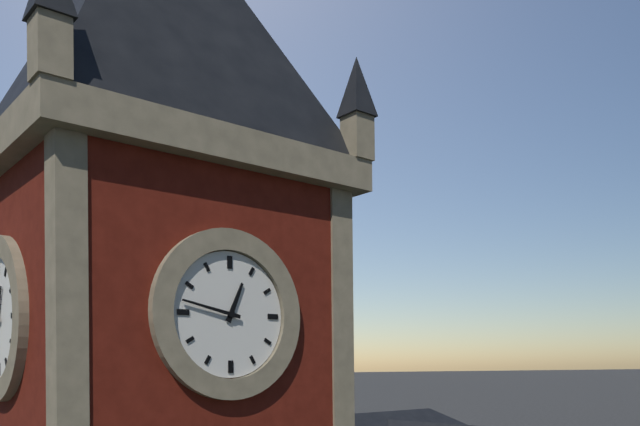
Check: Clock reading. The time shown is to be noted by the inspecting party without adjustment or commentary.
12:47
